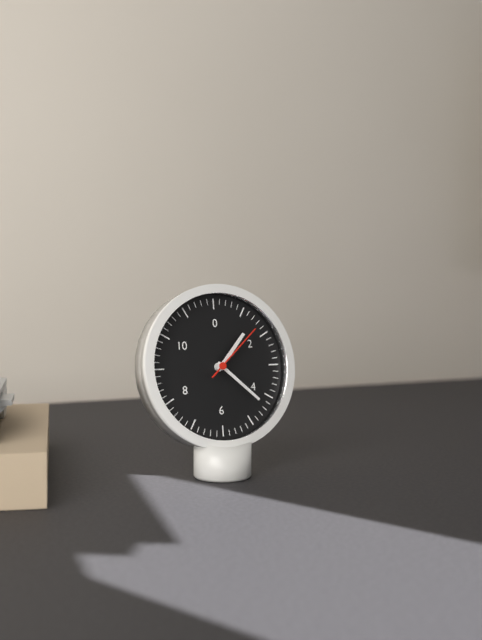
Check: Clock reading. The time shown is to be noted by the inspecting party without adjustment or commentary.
1:22:08
